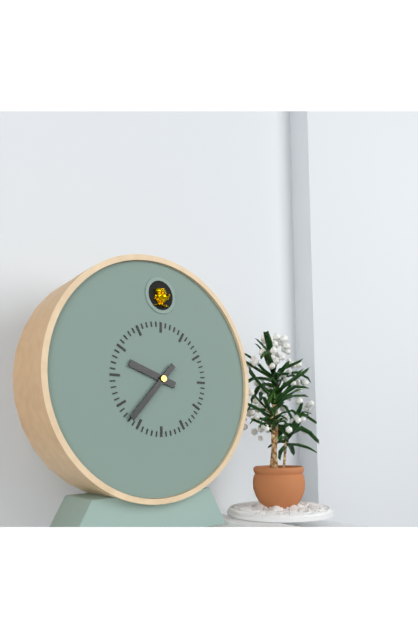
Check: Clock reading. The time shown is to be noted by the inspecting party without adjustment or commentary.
9:37
